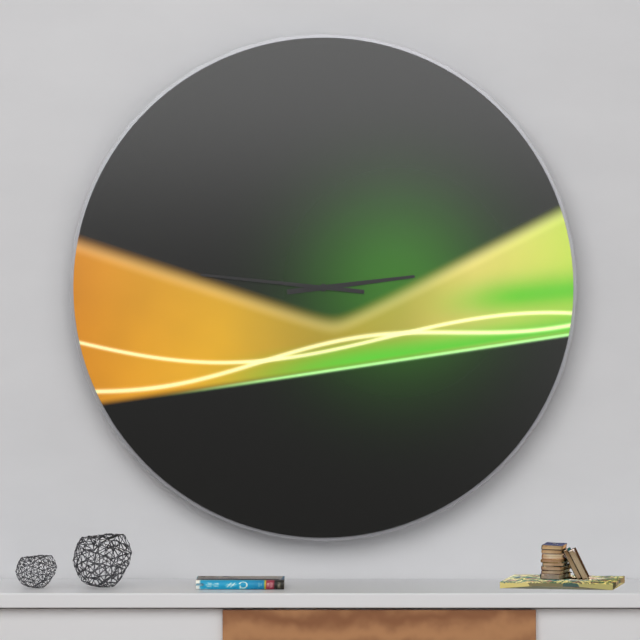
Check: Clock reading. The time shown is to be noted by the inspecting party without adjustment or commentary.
2:46
